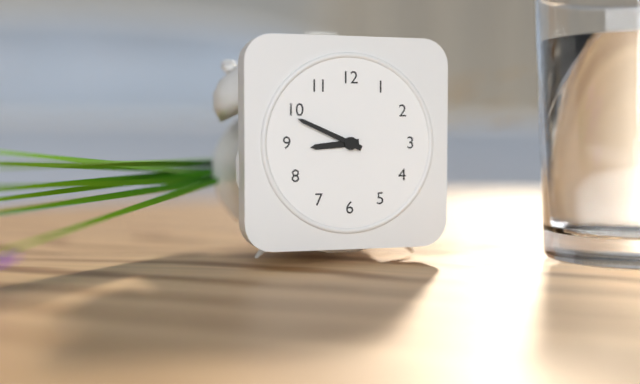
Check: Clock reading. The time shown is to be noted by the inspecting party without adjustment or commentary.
8:49
